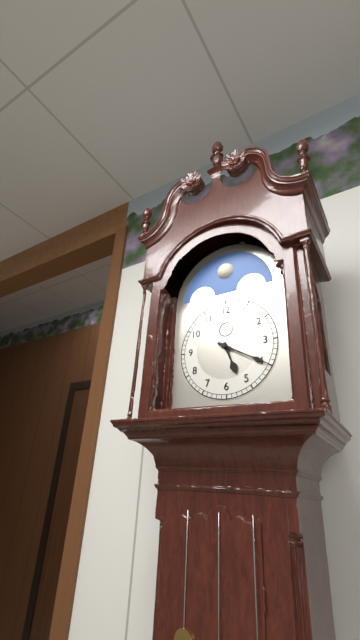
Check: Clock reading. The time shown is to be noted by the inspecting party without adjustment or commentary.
5:20
